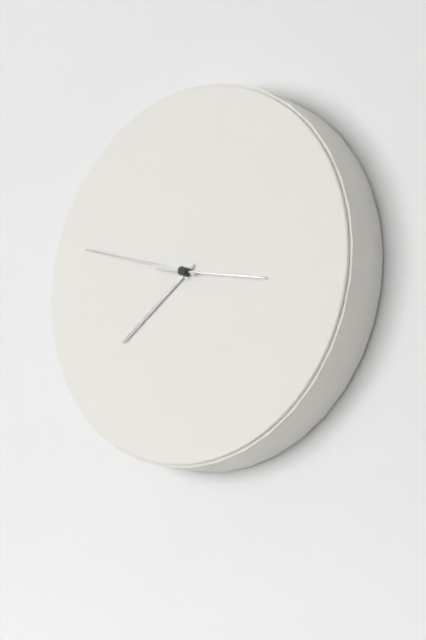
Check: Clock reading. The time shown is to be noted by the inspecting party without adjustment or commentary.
7:48:17
